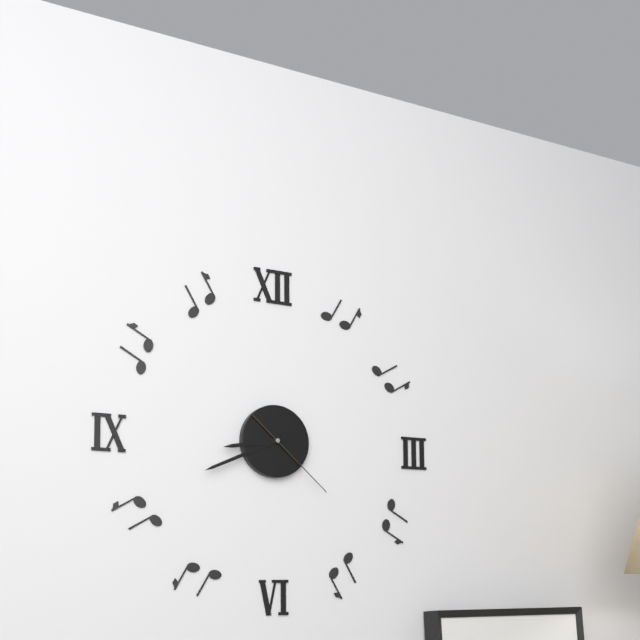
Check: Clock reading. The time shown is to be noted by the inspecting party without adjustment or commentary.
8:41:22
